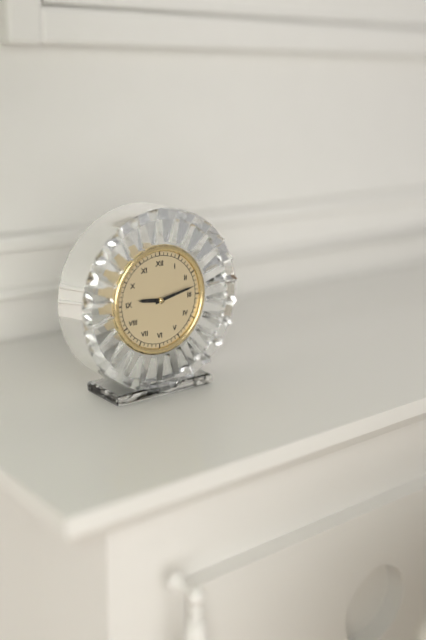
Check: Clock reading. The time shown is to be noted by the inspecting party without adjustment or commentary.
9:13
